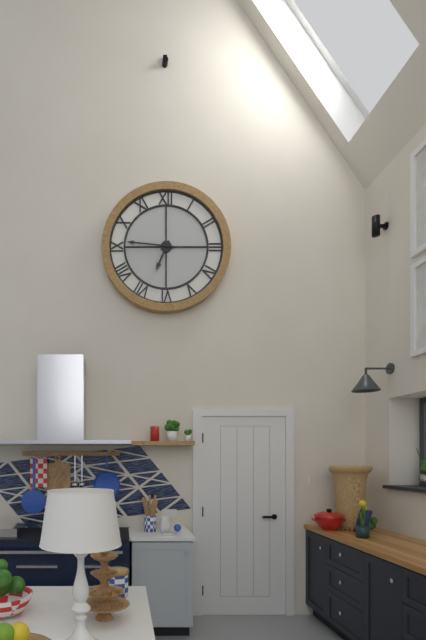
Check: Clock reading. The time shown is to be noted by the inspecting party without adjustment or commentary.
6:46
